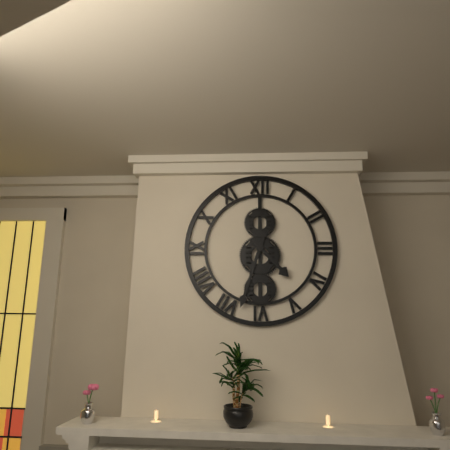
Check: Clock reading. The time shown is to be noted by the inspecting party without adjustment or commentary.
4:33
